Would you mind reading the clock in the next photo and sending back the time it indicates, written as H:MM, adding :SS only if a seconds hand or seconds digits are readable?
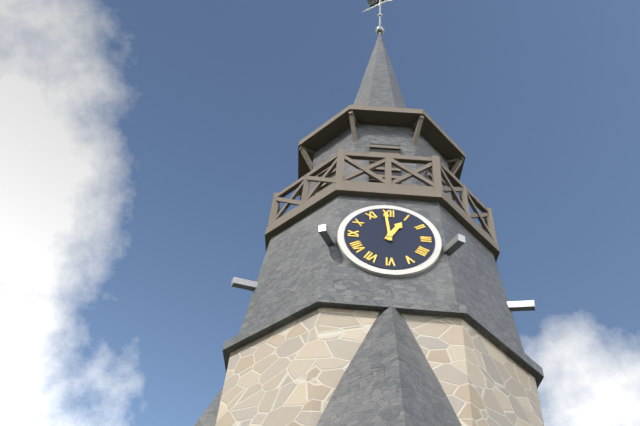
12:59
